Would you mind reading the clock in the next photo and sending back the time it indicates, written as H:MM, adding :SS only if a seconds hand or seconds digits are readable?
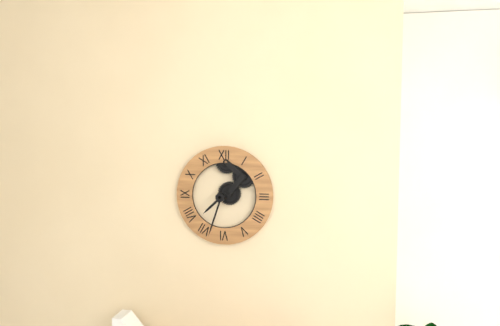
7:33
